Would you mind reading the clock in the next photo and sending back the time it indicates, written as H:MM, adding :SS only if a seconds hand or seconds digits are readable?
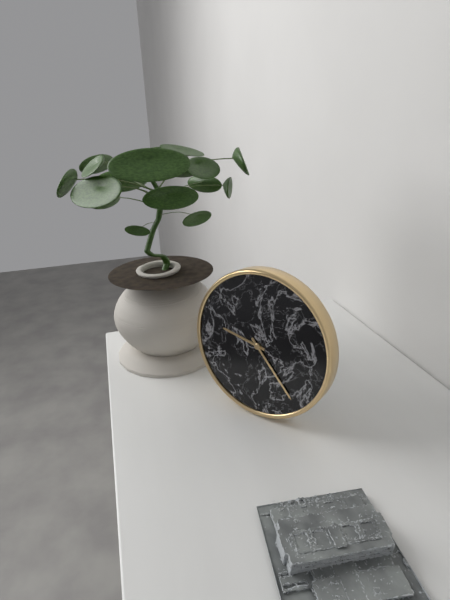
9:23
